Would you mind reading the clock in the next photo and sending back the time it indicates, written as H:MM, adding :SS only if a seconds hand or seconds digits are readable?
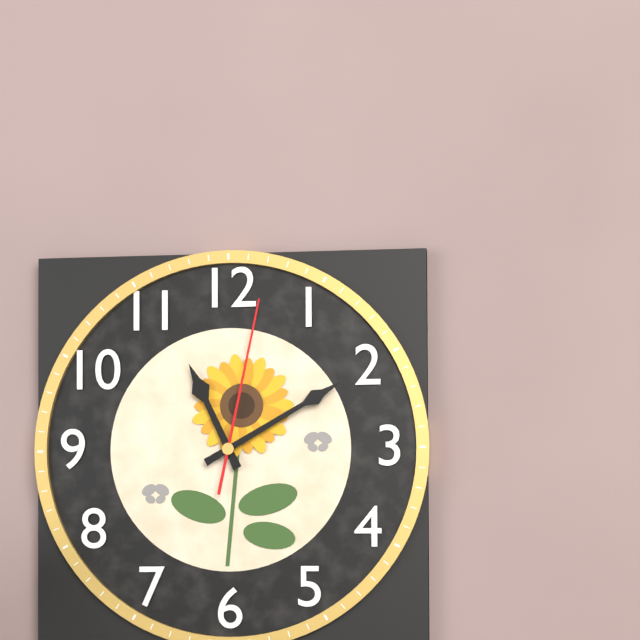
11:10:02
